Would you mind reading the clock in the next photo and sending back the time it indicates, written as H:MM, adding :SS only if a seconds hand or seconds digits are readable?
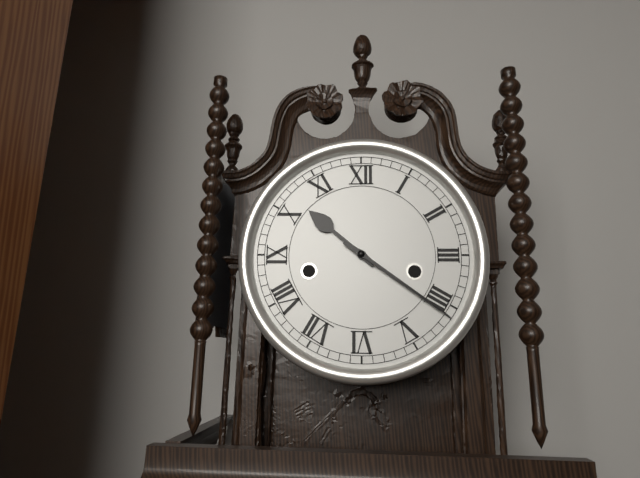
10:21
